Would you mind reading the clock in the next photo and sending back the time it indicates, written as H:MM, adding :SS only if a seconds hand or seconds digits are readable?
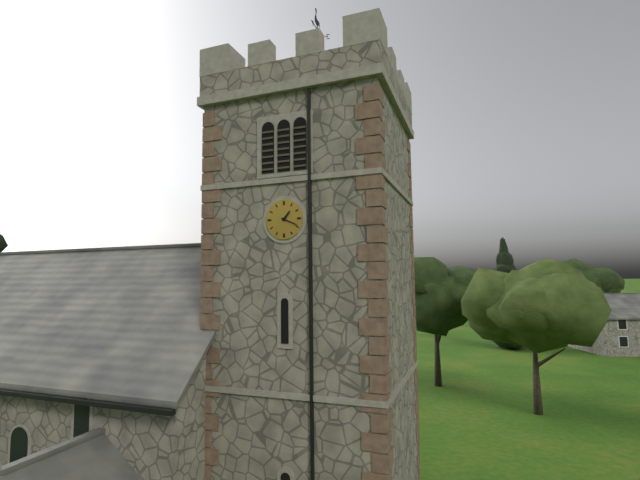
1:19
